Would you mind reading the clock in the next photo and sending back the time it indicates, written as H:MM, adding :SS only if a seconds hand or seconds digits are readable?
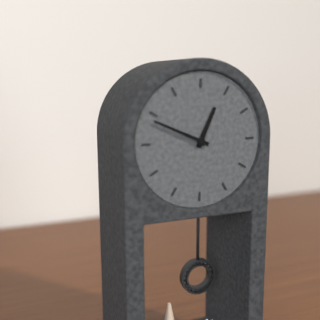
12:49
